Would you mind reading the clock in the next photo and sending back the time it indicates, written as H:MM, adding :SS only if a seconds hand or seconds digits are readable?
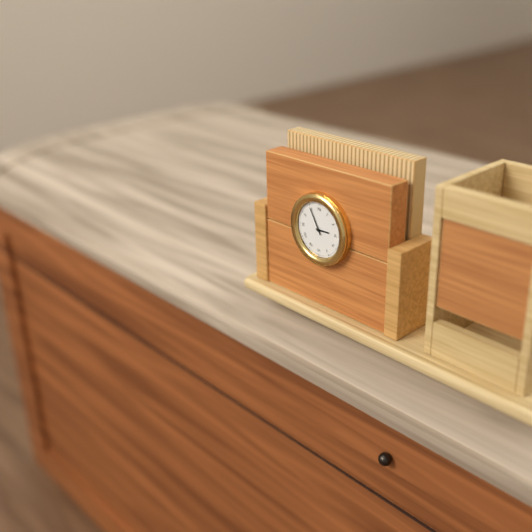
2:55
